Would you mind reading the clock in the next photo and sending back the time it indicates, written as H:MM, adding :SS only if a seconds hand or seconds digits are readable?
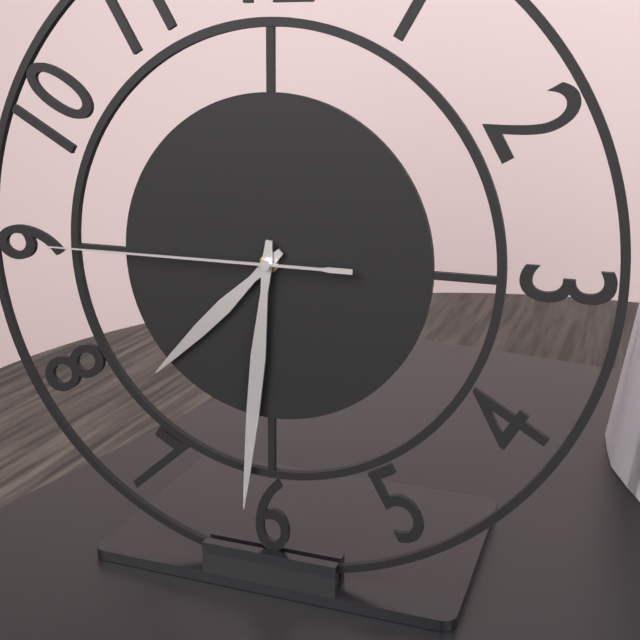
7:31:45
